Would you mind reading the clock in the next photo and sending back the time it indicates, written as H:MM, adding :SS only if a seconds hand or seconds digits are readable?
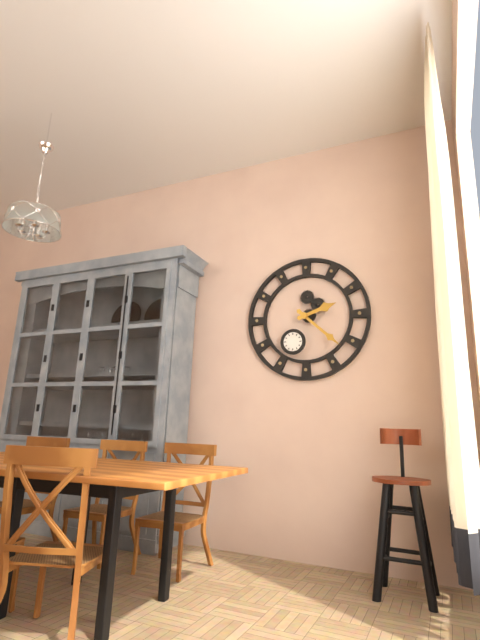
2:22
